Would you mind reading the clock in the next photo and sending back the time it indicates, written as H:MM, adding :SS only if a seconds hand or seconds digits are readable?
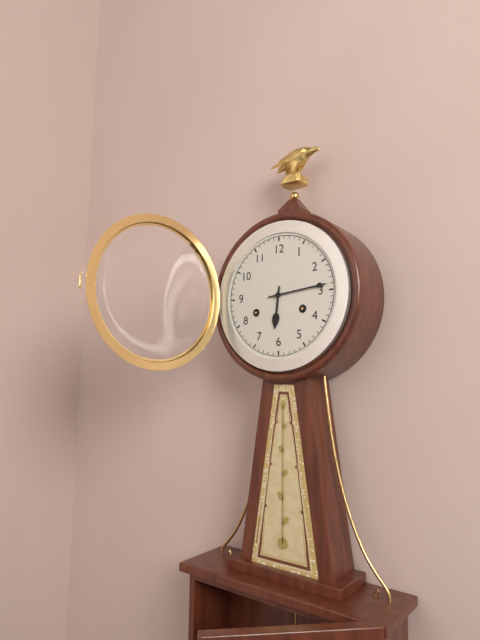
6:14
